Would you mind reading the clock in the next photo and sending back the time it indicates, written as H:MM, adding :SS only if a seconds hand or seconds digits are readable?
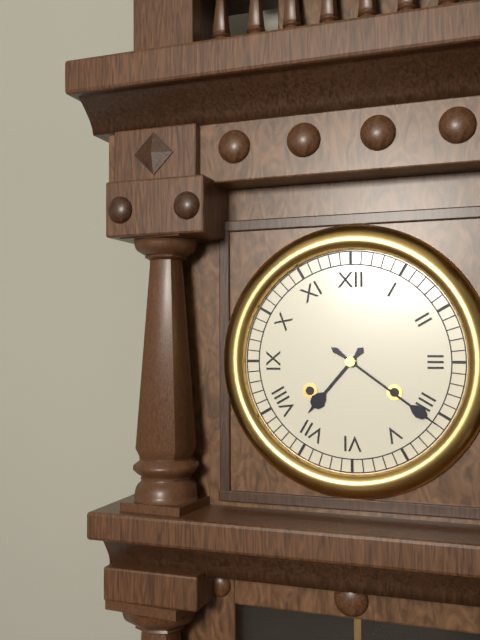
7:21
